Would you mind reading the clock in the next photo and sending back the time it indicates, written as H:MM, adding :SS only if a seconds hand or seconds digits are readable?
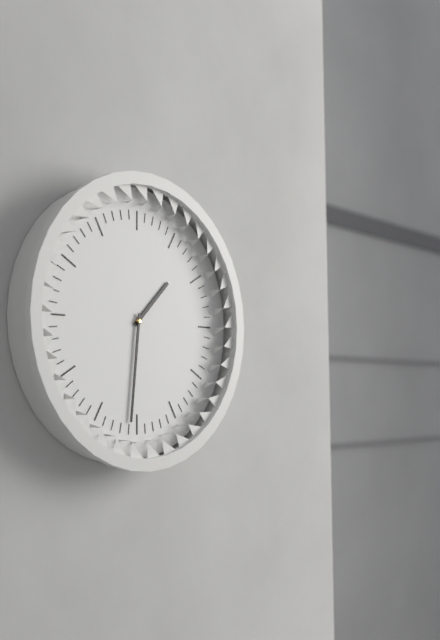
1:31
